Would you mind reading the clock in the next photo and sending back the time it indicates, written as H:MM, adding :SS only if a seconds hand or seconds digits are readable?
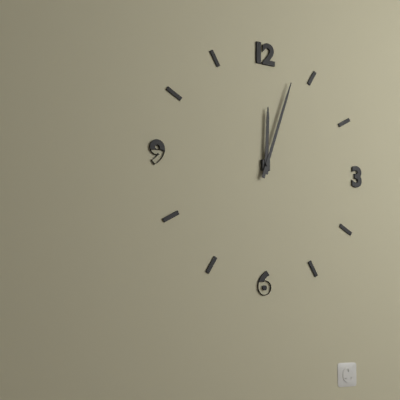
12:03
